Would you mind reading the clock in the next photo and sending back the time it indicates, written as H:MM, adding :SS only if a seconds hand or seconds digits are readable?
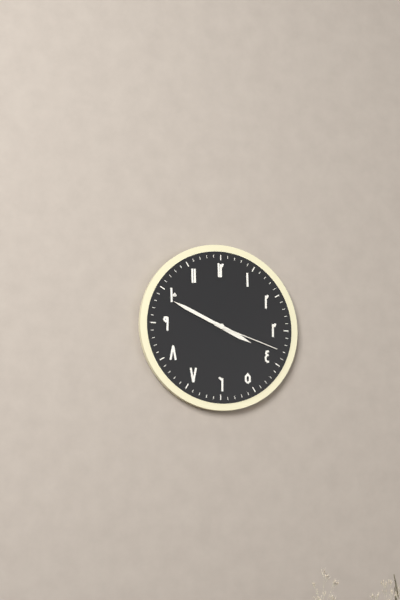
3:49:18
